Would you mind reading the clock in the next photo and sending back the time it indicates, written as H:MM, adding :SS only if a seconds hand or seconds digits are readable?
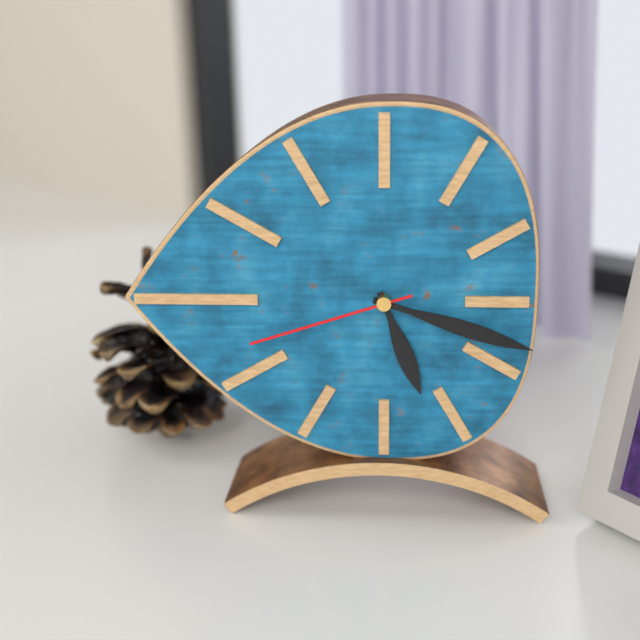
5:18:42
